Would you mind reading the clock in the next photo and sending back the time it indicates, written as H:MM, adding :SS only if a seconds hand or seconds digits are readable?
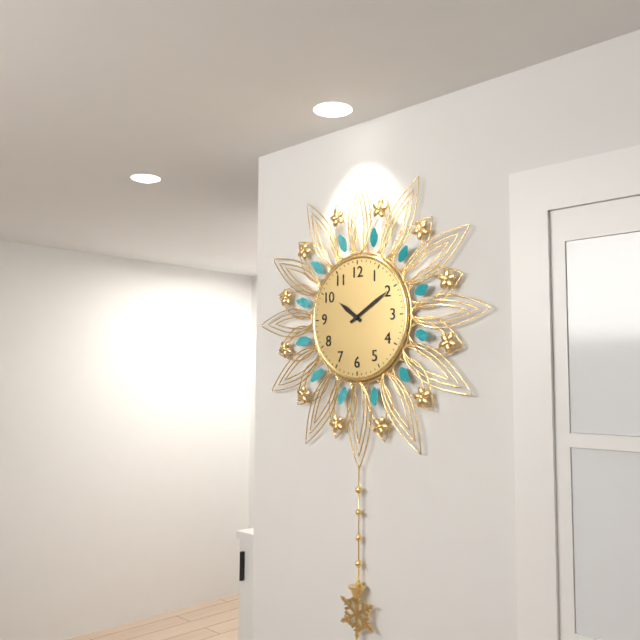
10:10
